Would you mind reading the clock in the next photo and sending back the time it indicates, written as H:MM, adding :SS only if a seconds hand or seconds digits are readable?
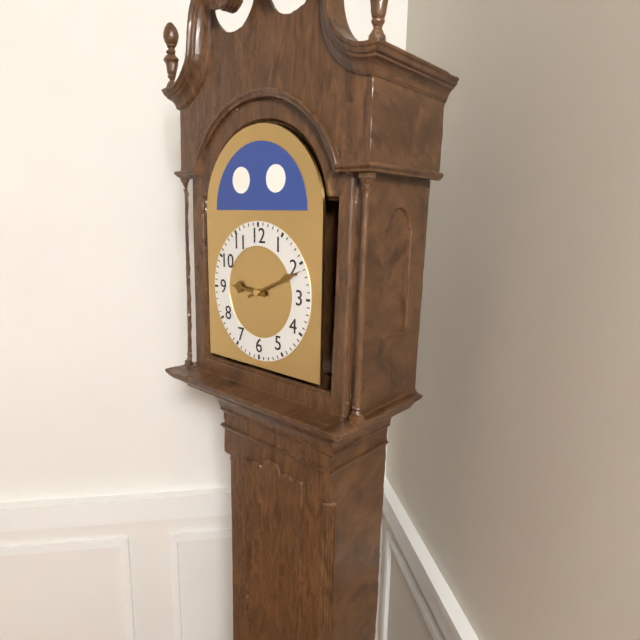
9:11
